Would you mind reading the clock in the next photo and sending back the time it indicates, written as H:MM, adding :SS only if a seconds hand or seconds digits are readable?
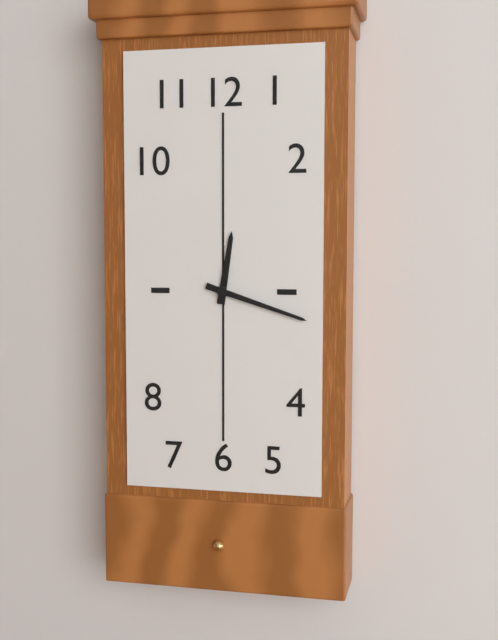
12:18
